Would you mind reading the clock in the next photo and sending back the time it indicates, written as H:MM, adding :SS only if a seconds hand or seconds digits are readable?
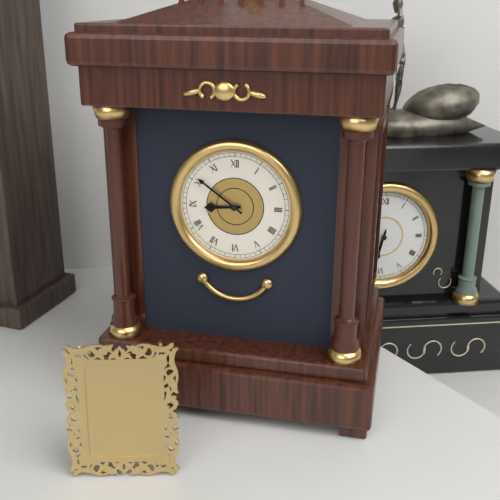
8:51
